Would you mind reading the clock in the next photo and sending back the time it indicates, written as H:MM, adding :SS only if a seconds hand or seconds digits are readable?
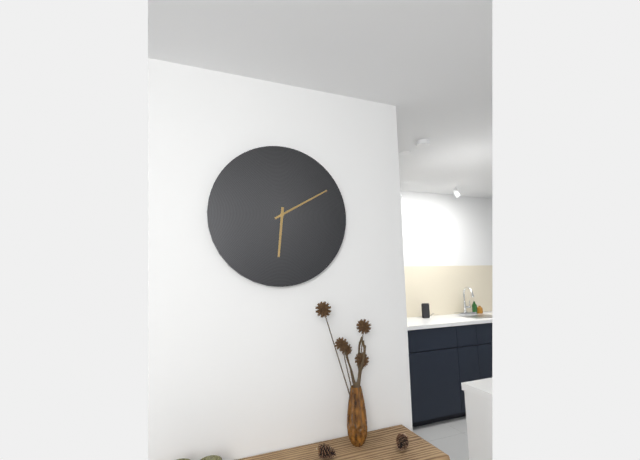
6:10
